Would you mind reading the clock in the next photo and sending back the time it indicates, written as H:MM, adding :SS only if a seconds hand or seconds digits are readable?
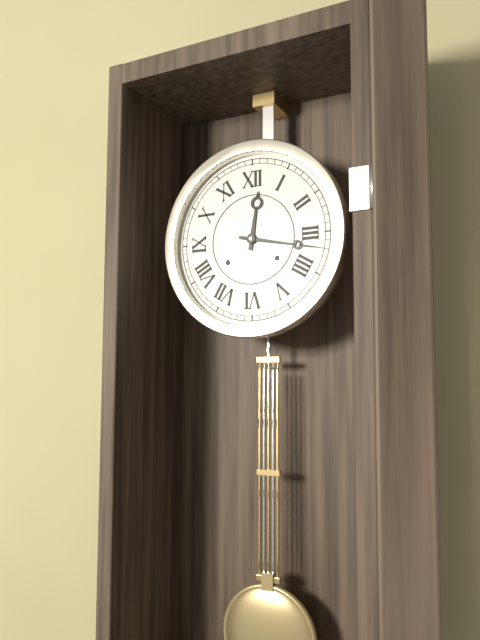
12:17
